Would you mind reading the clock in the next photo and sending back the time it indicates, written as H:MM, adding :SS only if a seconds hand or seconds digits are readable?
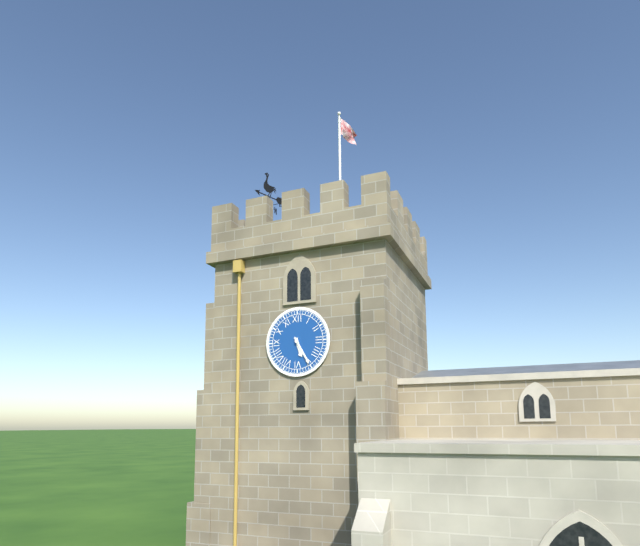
5:25
